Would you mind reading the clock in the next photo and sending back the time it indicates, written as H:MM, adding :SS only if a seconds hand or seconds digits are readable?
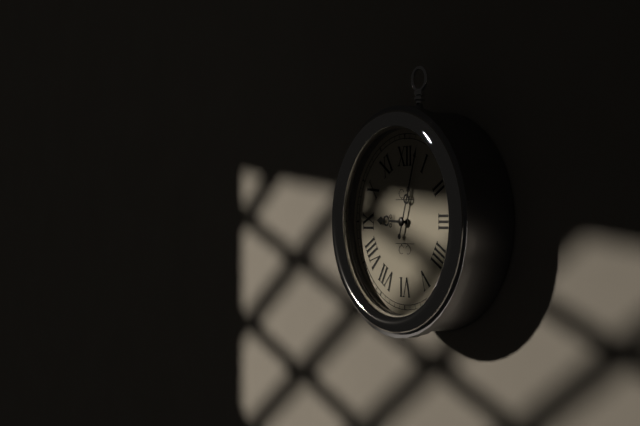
9:03
